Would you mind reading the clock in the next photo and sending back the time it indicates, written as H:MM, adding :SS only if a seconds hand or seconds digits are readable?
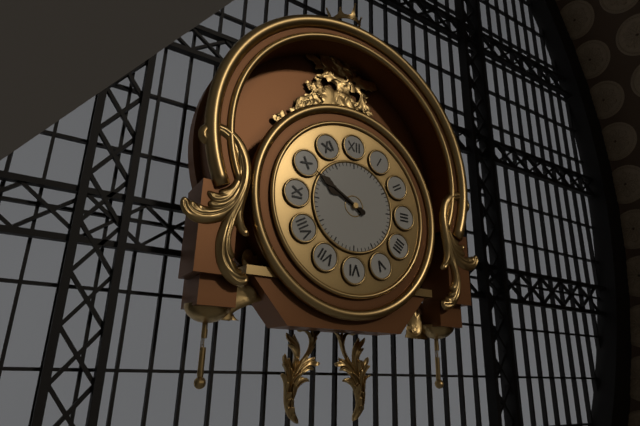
9:50
